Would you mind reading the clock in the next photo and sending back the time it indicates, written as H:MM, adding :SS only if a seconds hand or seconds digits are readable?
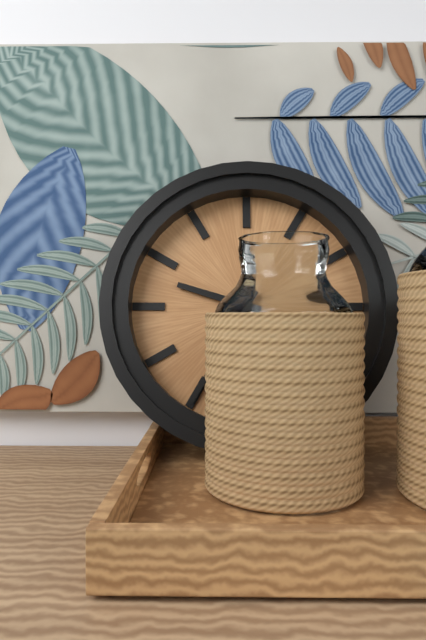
9:35
